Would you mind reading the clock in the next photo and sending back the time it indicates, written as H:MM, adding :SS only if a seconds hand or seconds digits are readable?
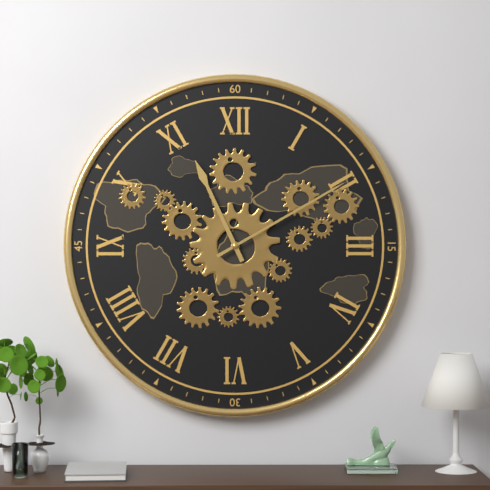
11:10
